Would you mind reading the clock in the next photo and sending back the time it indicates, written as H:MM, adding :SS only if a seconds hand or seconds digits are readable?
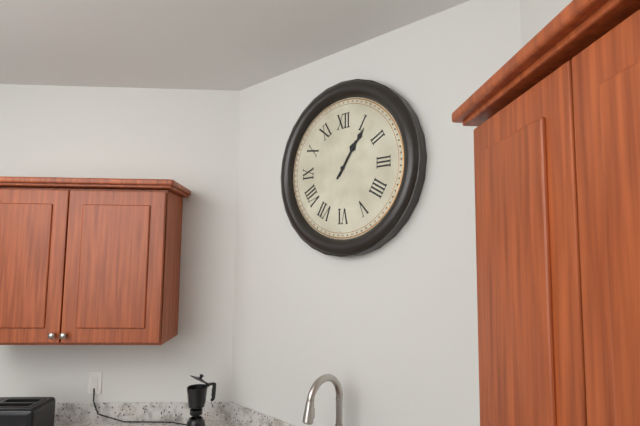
1:06
